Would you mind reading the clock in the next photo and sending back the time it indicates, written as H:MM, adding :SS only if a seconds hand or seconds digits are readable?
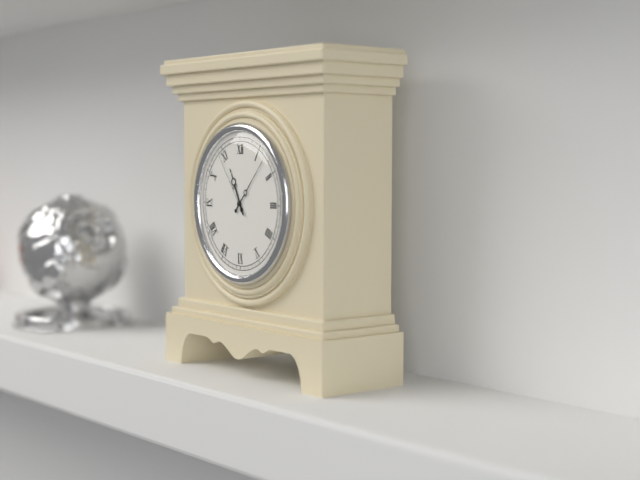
11:07:54
